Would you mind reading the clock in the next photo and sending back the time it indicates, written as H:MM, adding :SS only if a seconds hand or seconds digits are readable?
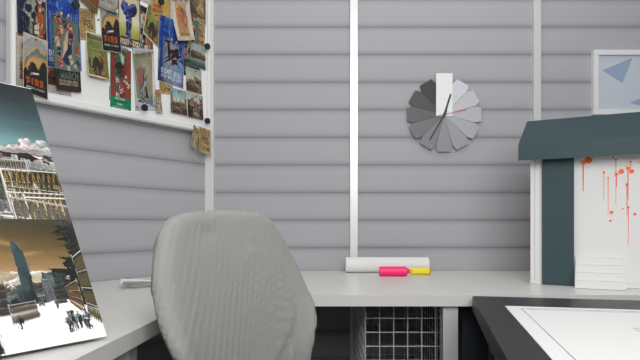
12:35
